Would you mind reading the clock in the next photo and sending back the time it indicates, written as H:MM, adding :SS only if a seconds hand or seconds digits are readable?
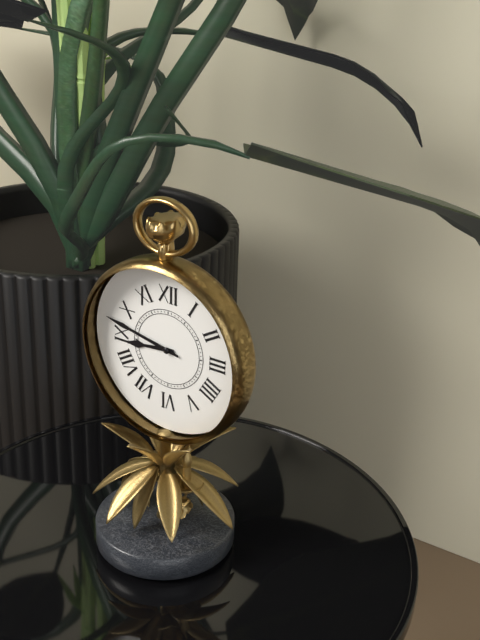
8:47
